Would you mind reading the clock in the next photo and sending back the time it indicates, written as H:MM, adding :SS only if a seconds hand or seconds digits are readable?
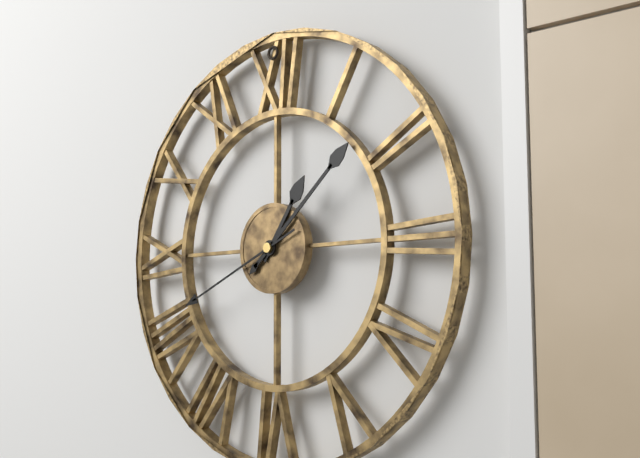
1:08:41
